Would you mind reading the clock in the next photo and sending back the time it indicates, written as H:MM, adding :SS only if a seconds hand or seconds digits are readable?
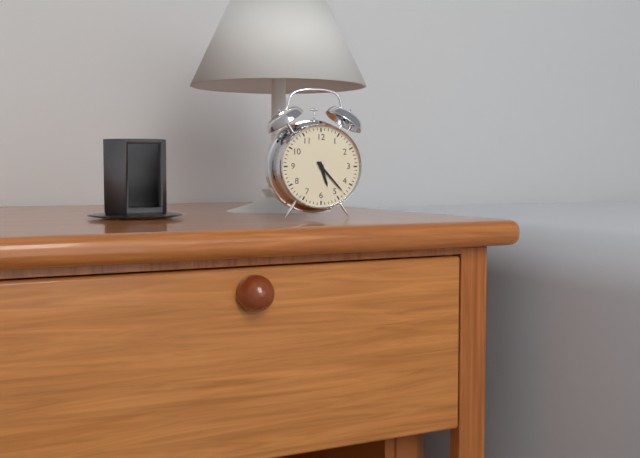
5:23
